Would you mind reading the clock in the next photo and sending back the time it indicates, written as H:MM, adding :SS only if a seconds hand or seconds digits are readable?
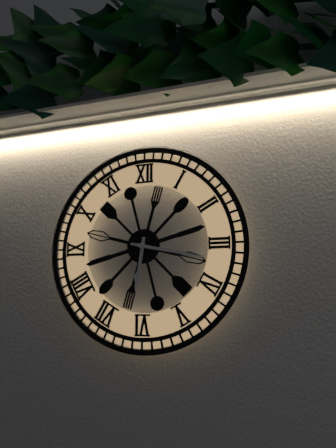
6:17
